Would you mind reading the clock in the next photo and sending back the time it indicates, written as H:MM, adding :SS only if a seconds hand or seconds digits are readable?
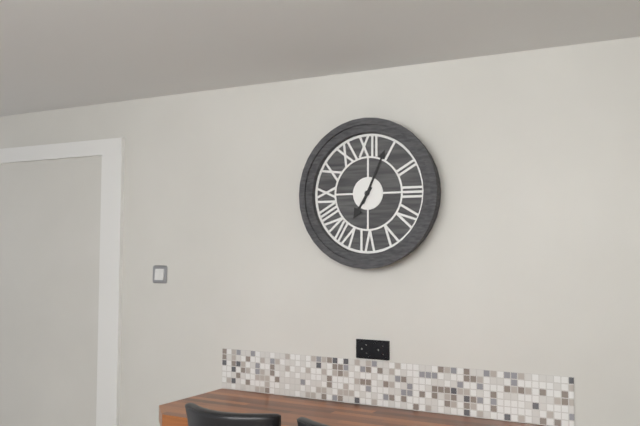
7:04
